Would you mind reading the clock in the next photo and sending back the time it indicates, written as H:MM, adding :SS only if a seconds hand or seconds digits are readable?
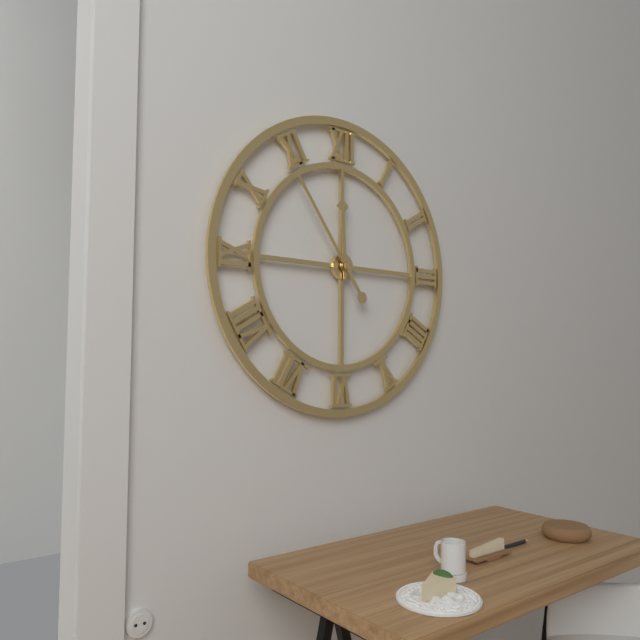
11:54
